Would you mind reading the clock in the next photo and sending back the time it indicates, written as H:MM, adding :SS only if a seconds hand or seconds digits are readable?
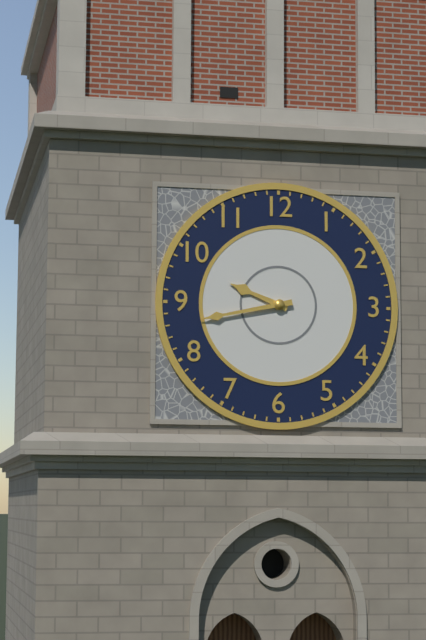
9:43
